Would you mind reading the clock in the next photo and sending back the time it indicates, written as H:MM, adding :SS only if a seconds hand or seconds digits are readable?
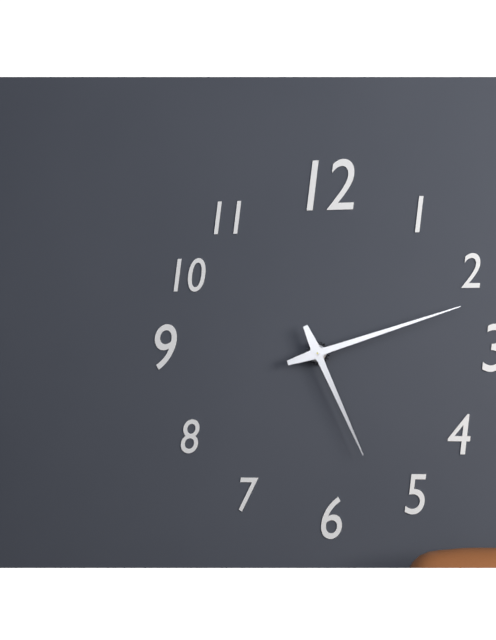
5:12
